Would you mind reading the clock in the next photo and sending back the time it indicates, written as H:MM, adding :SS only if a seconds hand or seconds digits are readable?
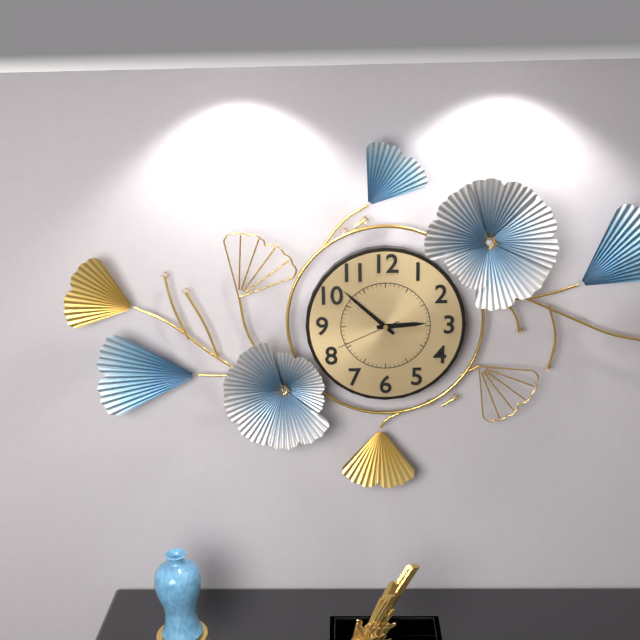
2:52:41
